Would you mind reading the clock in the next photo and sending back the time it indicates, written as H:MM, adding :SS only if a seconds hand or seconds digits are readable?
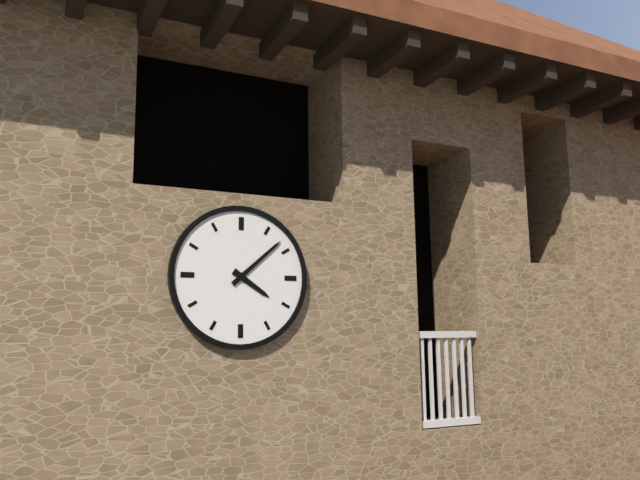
4:08
